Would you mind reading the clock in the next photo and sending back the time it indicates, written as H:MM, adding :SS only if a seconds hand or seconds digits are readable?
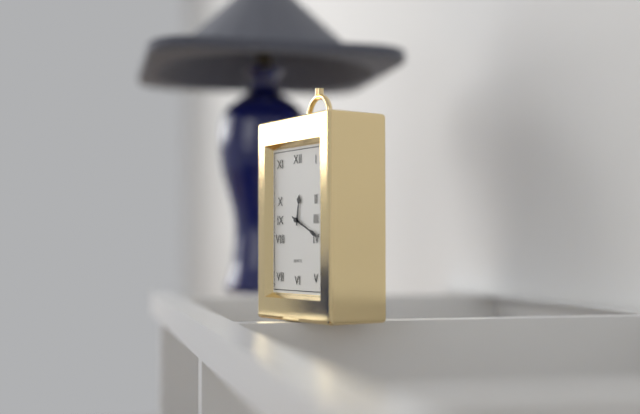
12:19
